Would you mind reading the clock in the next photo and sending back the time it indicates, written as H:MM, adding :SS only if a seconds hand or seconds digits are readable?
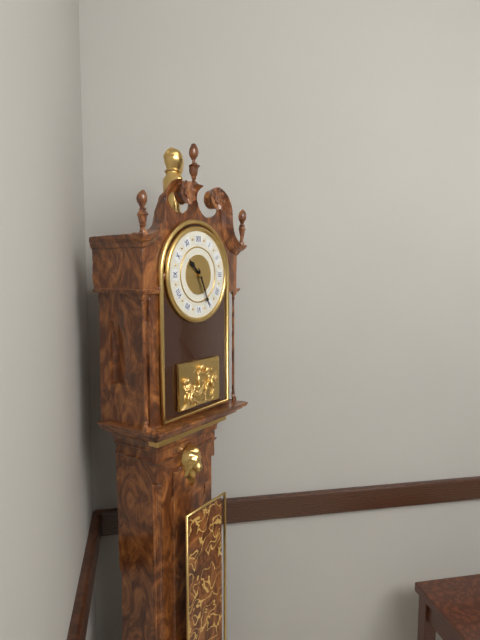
10:26
